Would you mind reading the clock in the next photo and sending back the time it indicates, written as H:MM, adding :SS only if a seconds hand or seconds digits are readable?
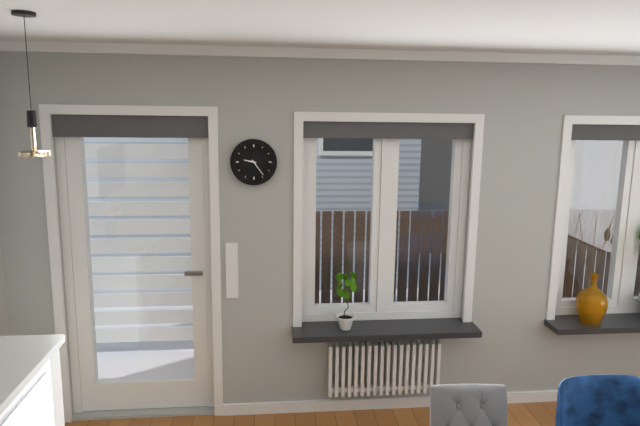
9:24
